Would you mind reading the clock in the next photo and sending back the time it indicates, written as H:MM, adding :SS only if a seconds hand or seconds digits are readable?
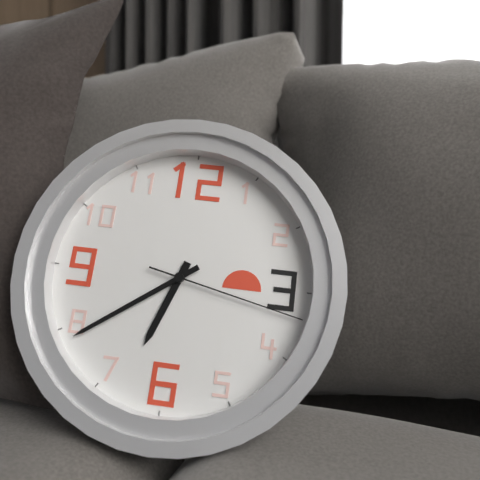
6:39:17
